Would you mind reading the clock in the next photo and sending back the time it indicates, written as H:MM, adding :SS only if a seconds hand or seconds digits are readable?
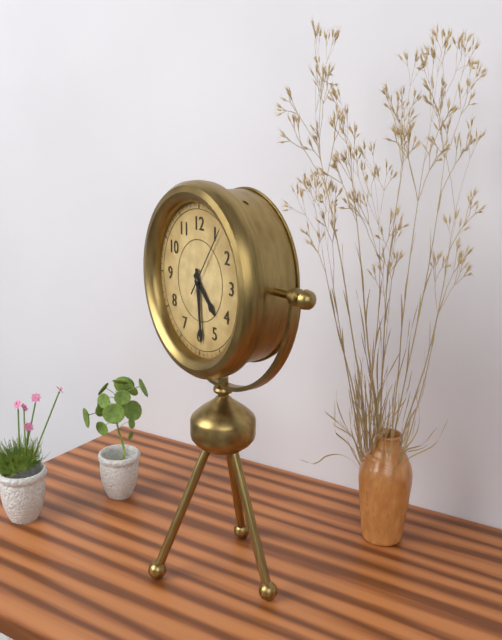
4:29:06
